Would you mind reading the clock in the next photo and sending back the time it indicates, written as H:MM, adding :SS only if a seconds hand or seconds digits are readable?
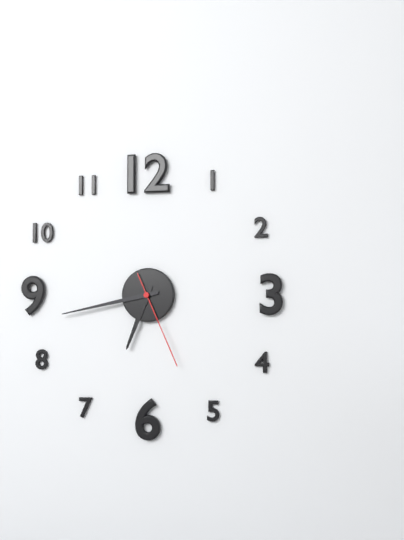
6:43:26
